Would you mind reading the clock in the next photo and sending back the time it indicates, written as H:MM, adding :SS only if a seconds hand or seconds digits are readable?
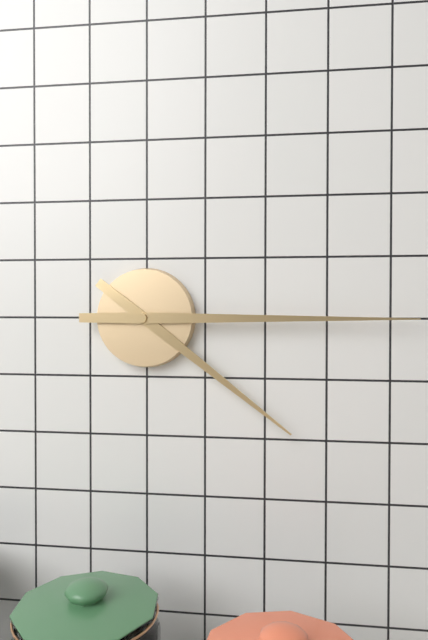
4:15
